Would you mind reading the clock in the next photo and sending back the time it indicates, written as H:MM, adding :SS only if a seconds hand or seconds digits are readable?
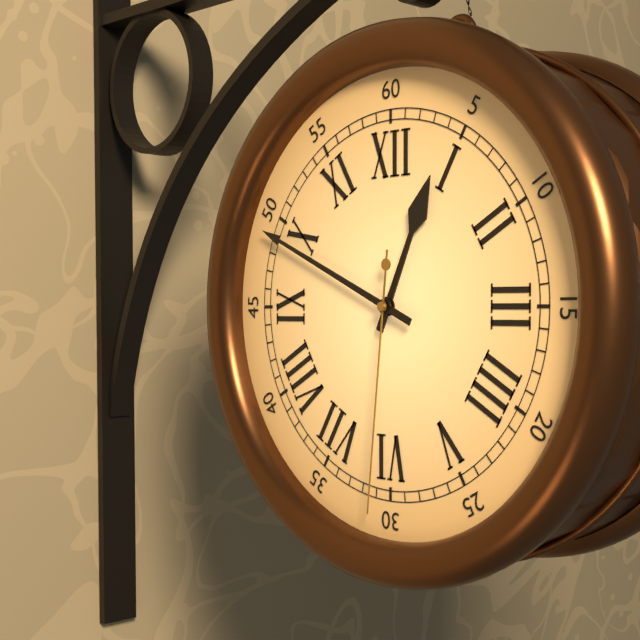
12:49:31
